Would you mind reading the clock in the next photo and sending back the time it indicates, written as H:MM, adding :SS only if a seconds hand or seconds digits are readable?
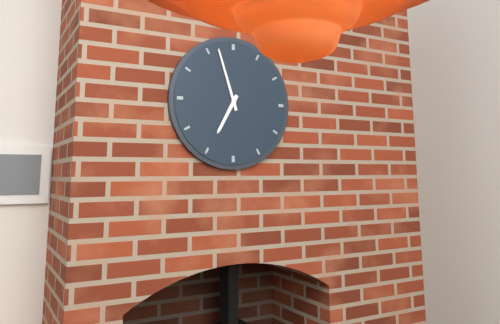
6:57
